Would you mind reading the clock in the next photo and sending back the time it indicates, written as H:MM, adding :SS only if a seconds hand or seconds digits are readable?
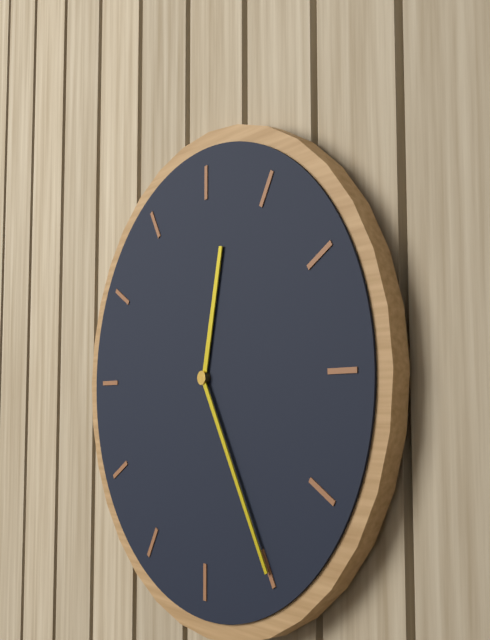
12:25
